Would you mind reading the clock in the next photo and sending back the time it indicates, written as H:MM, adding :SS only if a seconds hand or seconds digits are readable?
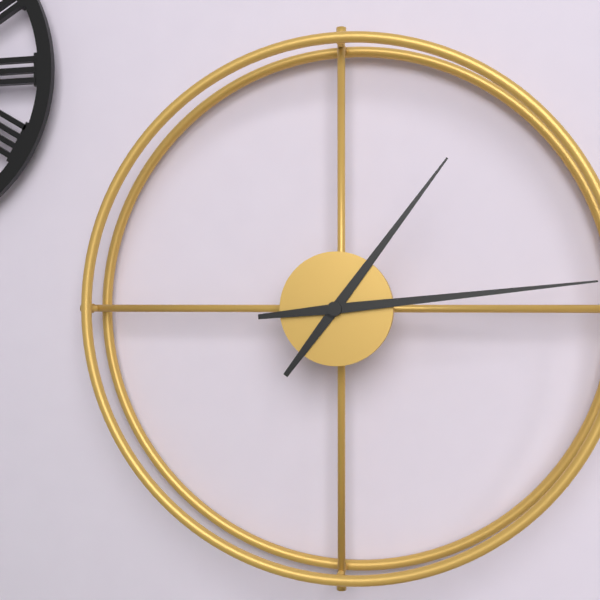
1:14
